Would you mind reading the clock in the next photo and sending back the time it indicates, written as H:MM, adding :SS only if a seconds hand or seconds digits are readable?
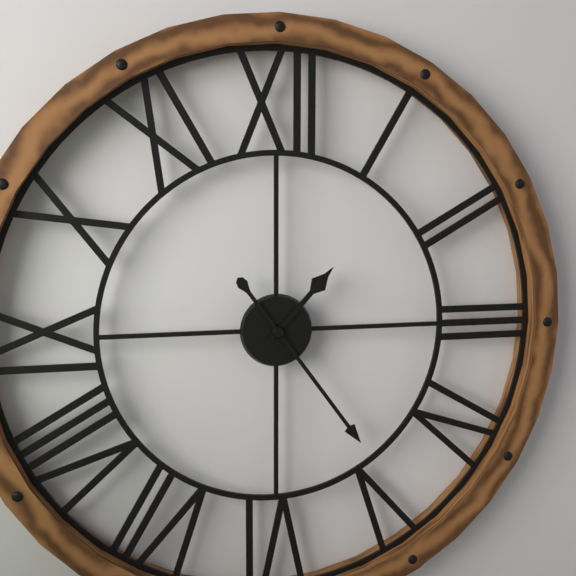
1:24
